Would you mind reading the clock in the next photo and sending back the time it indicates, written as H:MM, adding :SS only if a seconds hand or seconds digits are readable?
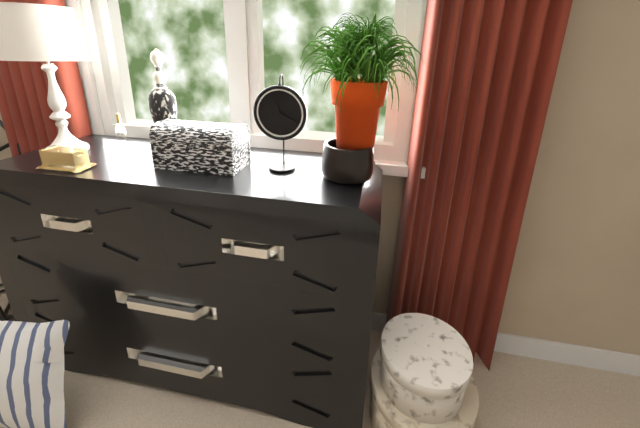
11:19
